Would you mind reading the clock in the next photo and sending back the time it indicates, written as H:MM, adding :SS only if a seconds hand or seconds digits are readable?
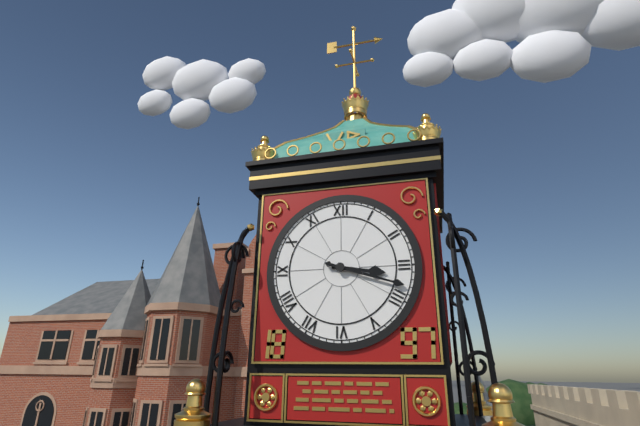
3:18
